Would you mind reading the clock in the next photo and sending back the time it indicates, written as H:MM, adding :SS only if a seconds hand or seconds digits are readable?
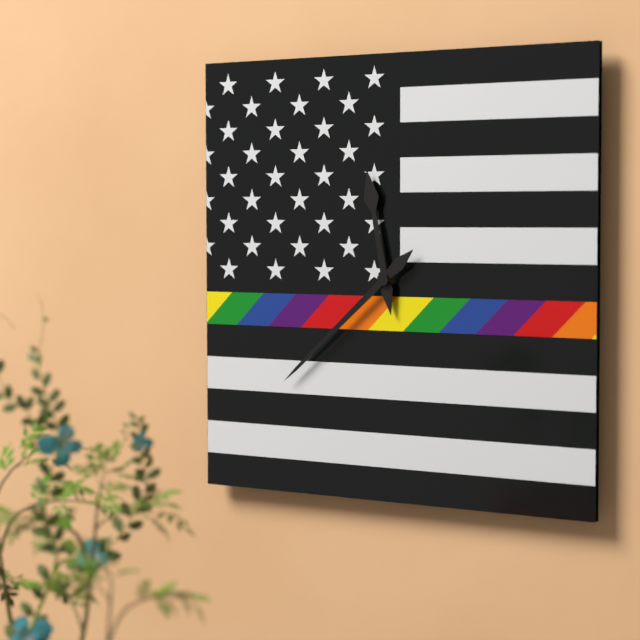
11:38
